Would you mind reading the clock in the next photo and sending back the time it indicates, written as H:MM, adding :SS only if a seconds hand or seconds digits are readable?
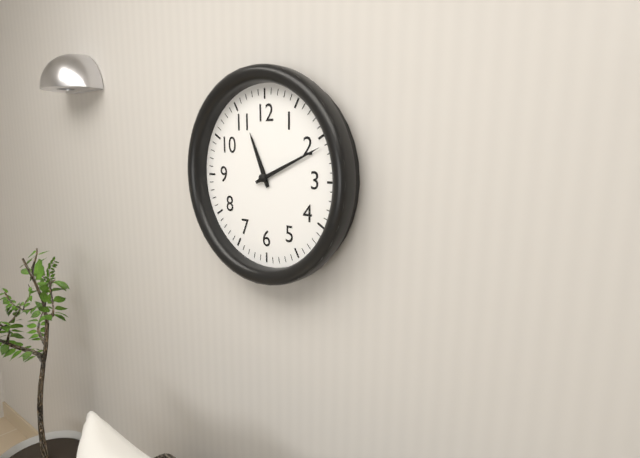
11:11
